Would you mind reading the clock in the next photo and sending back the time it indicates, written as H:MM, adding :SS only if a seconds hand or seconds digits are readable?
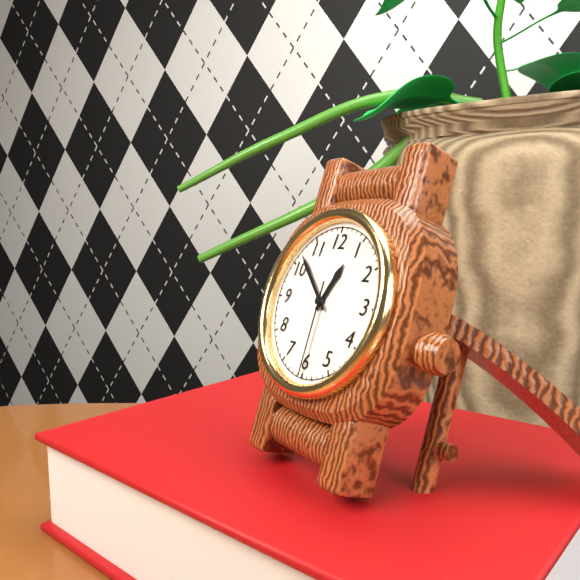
12:52:30
